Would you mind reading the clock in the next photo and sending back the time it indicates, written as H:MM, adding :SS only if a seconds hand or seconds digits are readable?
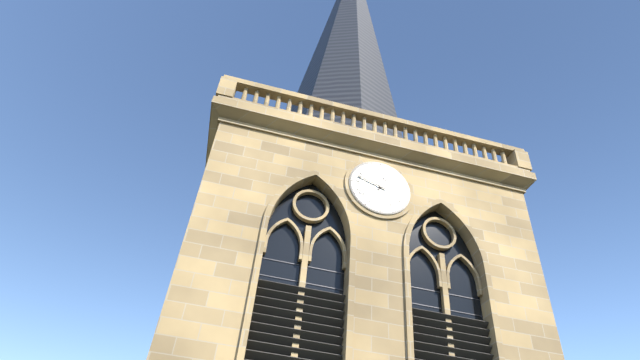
12:48
